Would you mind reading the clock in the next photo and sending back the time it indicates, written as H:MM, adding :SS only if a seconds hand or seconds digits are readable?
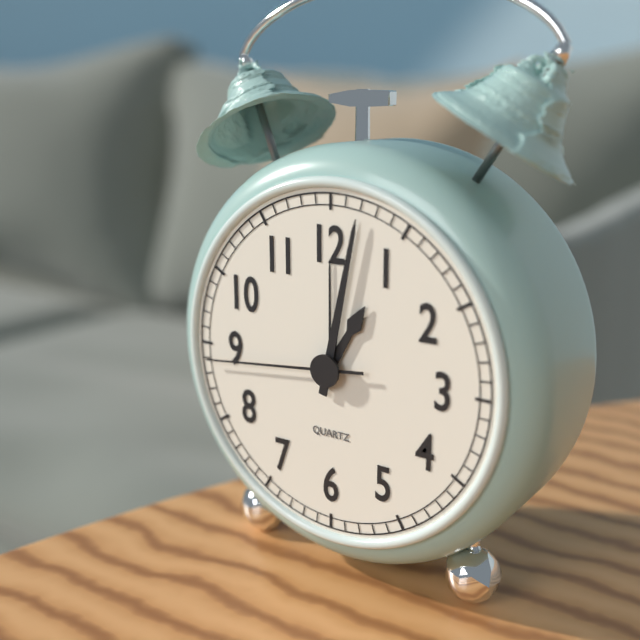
1:02:44
